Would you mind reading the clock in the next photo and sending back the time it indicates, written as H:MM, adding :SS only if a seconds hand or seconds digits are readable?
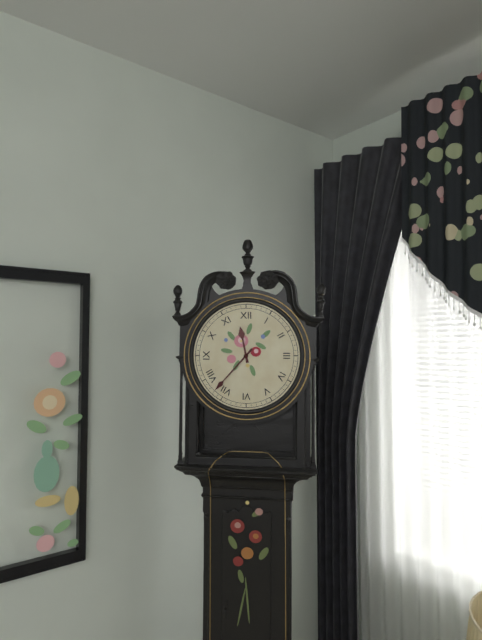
11:37
